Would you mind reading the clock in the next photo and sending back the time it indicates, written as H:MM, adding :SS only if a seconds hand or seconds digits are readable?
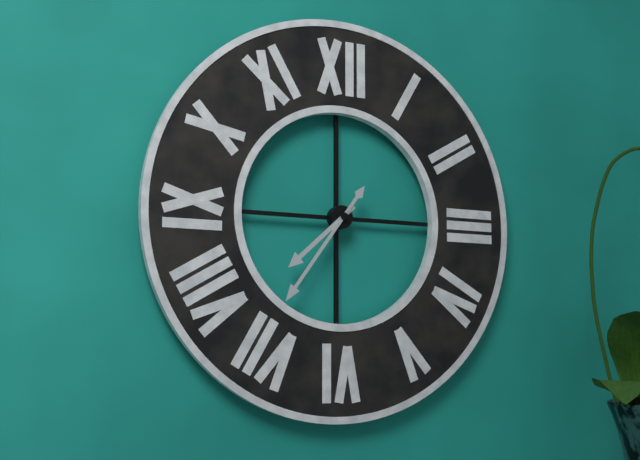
7:36
